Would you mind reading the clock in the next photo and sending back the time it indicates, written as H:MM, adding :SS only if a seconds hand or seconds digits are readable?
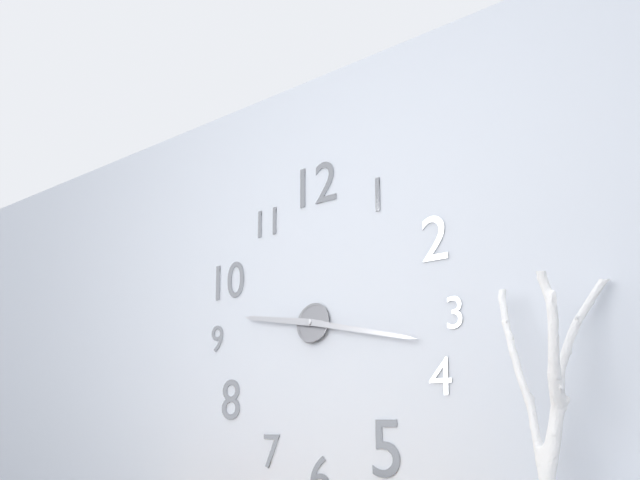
9:17
